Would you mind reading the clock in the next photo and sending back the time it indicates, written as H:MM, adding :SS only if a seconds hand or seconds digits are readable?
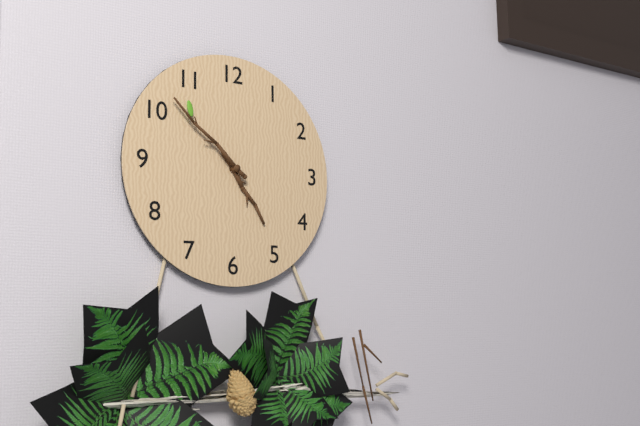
4:52
